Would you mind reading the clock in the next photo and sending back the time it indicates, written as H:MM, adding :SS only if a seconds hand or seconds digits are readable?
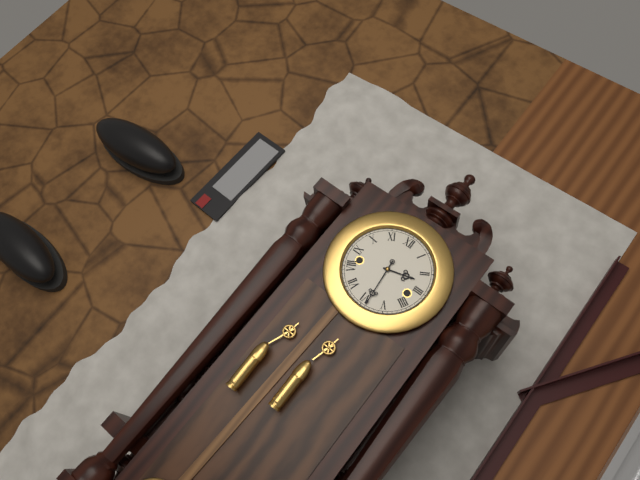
2:29
